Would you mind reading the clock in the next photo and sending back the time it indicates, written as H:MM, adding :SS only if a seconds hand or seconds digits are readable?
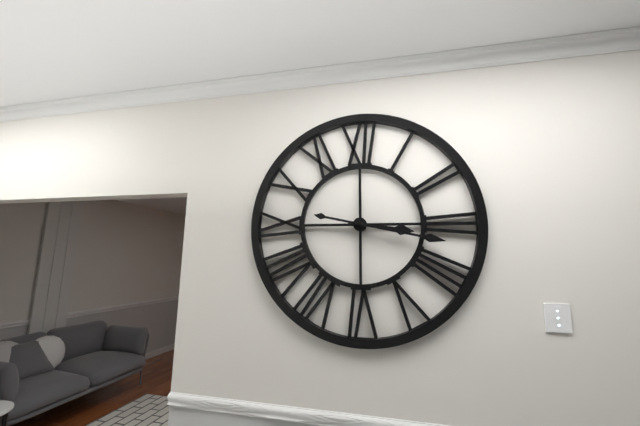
3:17
